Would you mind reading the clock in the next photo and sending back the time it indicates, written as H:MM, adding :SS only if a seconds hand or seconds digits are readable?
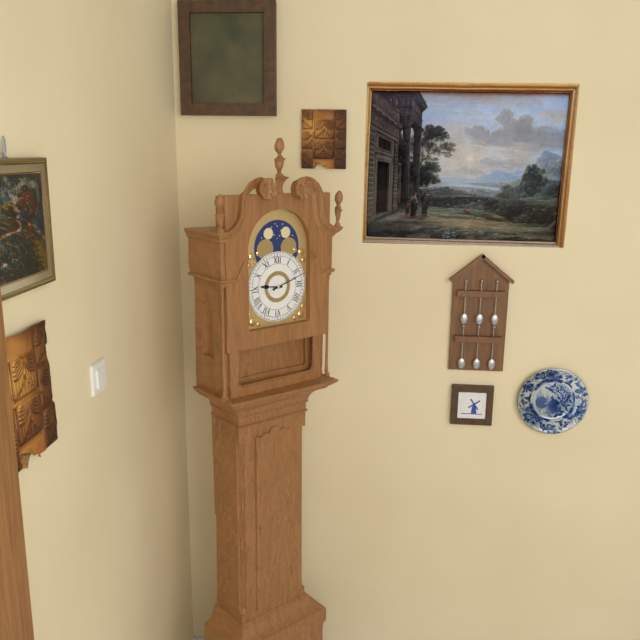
9:12
